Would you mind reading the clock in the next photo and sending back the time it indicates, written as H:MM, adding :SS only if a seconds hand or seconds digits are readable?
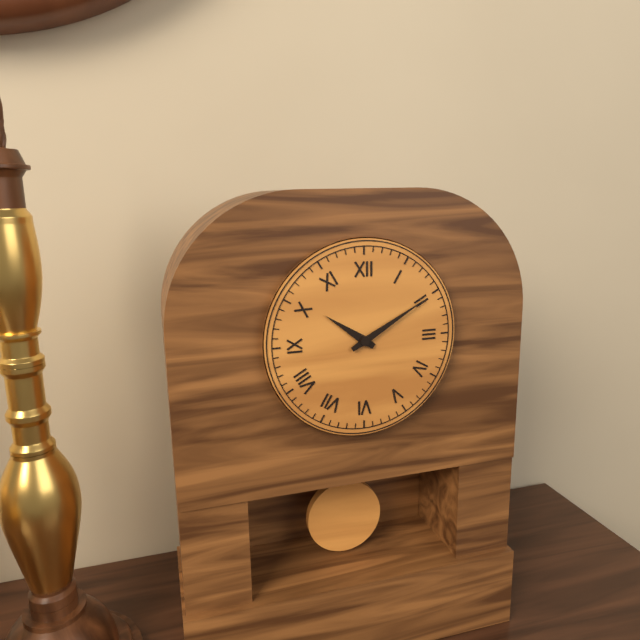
10:10
